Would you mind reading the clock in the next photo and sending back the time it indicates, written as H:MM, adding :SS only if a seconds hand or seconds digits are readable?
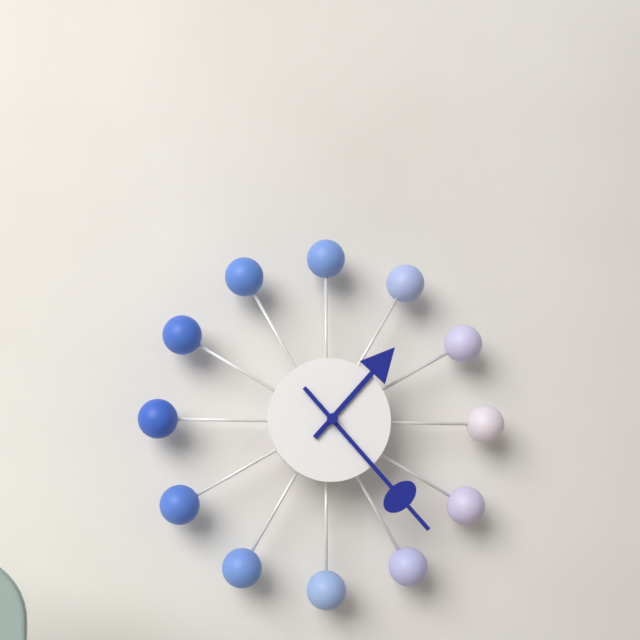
1:23
